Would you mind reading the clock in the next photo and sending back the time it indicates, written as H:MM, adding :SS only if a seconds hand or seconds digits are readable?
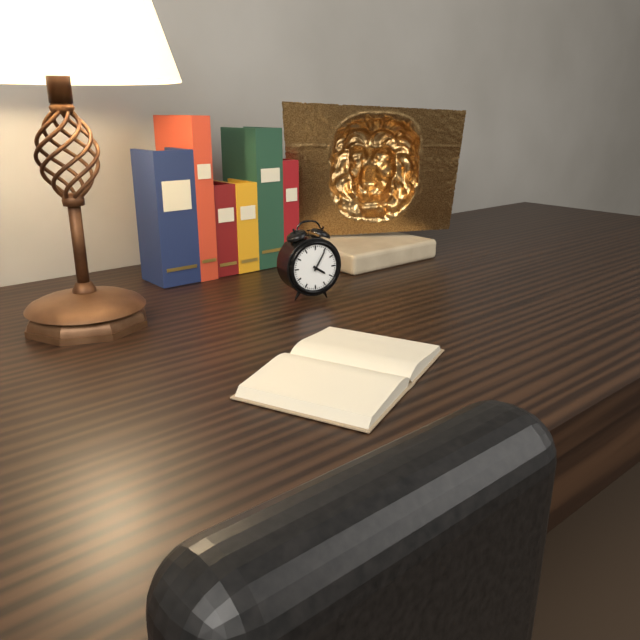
4:05
